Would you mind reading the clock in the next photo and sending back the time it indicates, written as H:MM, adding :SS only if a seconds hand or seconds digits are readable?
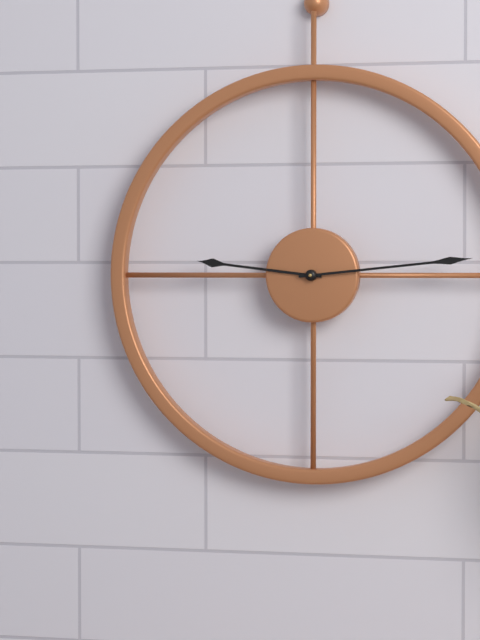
9:14
